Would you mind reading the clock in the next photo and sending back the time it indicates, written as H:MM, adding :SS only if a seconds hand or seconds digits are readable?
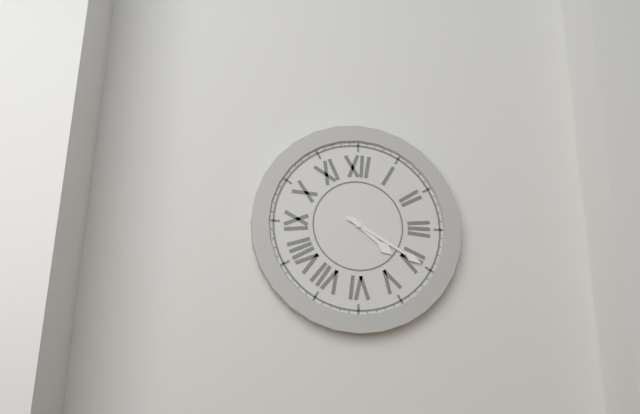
4:20
